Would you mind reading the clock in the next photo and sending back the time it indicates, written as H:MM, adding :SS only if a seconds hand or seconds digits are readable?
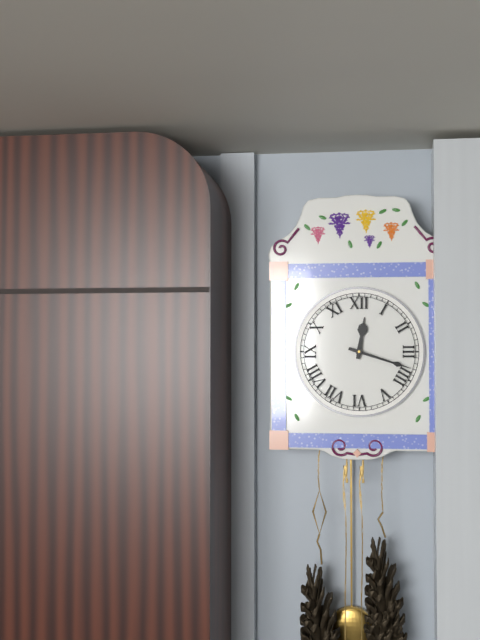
12:18
